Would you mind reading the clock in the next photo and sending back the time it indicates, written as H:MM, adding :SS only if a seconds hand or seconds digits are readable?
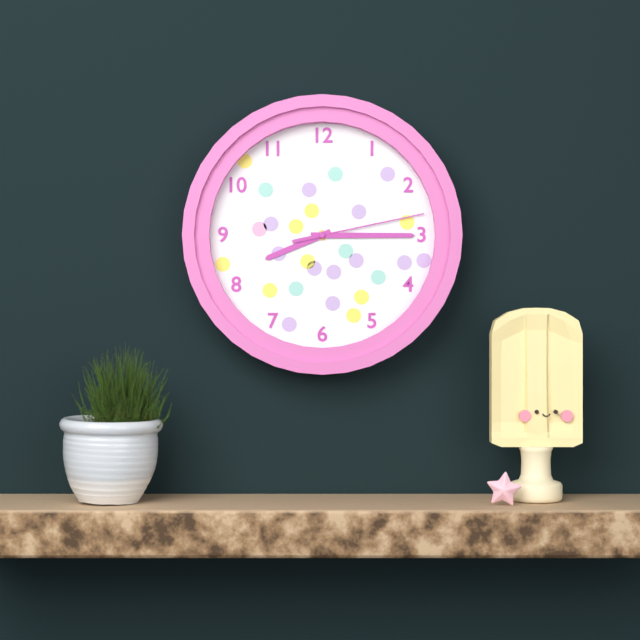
8:15:13
